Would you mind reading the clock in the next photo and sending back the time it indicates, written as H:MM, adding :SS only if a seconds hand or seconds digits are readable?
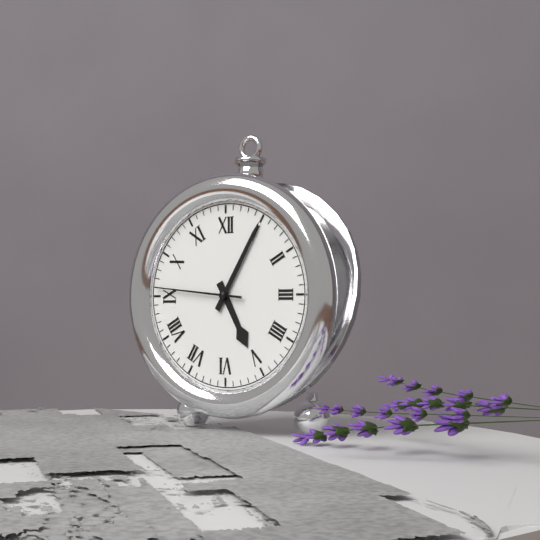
5:05:46
